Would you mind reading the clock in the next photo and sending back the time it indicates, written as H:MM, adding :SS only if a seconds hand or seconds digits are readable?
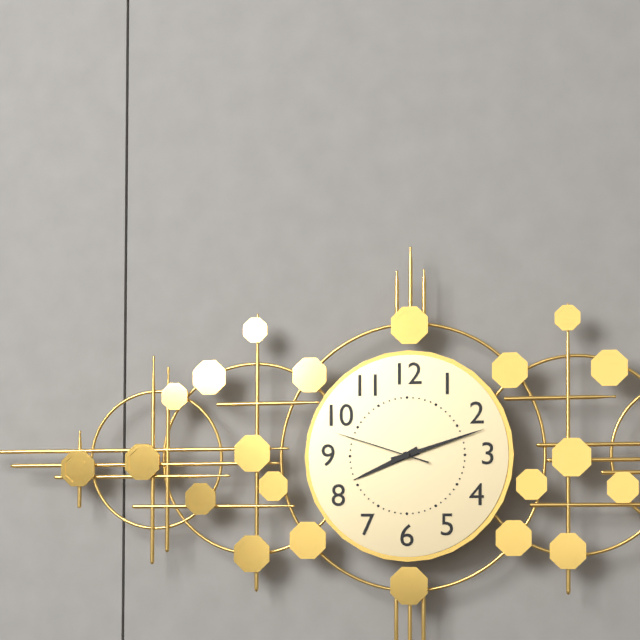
8:12:48
